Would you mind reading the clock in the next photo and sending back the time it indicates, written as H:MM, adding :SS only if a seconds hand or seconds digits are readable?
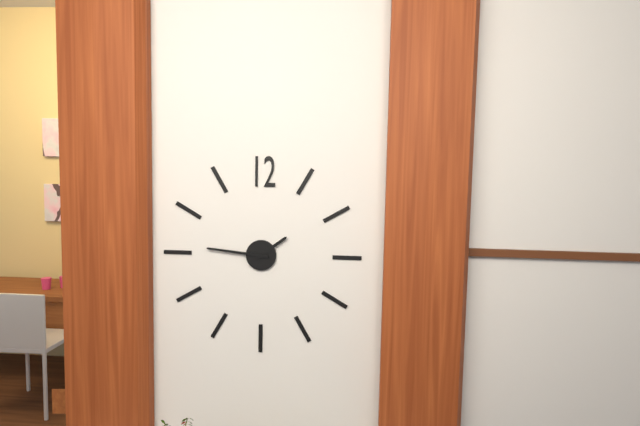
1:46
